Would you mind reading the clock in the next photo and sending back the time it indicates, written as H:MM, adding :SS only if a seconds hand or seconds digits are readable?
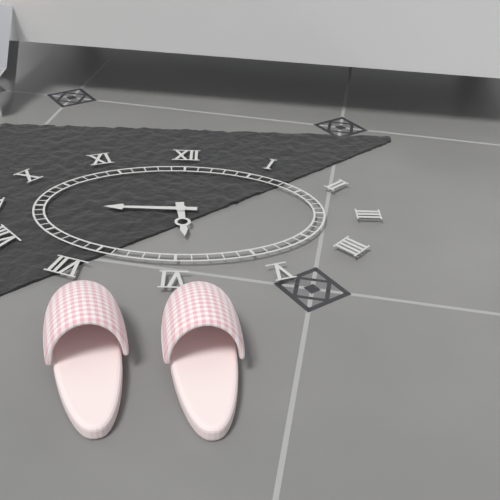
5:45
